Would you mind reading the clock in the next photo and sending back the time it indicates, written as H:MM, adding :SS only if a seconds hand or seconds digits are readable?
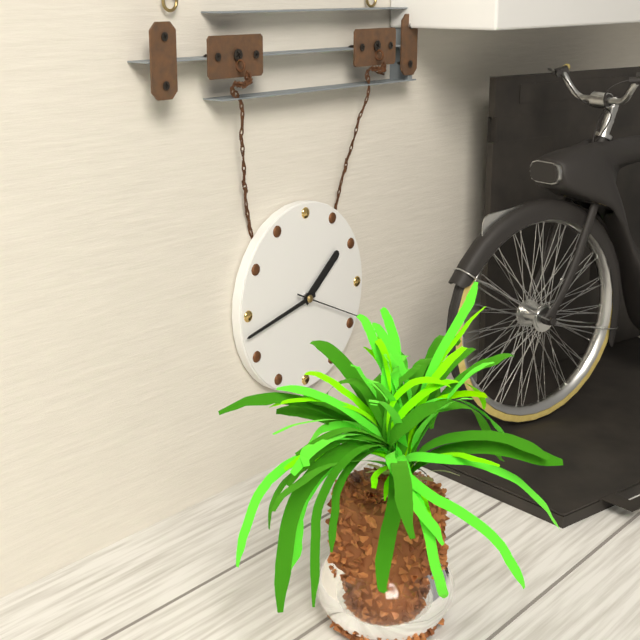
1:43:19
